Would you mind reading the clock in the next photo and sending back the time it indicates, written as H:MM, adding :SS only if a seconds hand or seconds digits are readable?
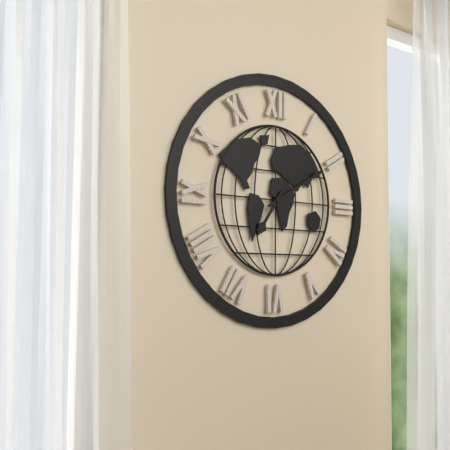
7:10
